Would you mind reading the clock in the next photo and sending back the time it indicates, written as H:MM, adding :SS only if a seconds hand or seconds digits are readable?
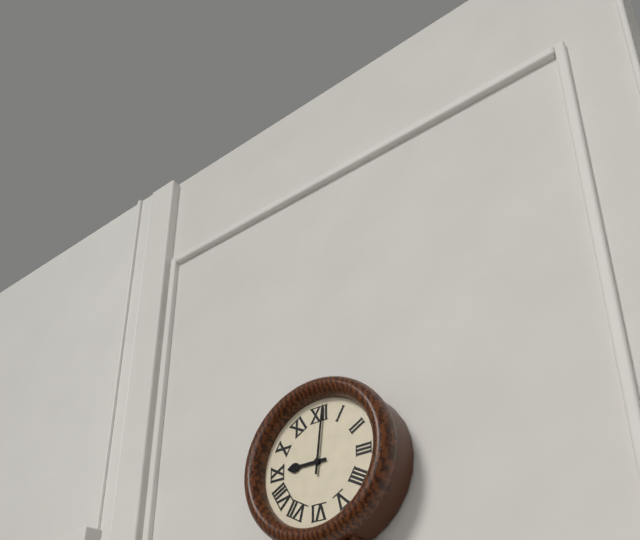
9:01
